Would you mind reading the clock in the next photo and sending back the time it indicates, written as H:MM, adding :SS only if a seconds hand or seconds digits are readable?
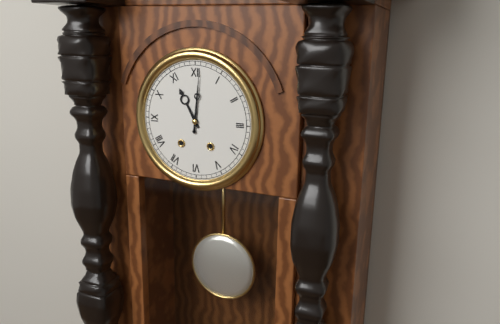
11:01
